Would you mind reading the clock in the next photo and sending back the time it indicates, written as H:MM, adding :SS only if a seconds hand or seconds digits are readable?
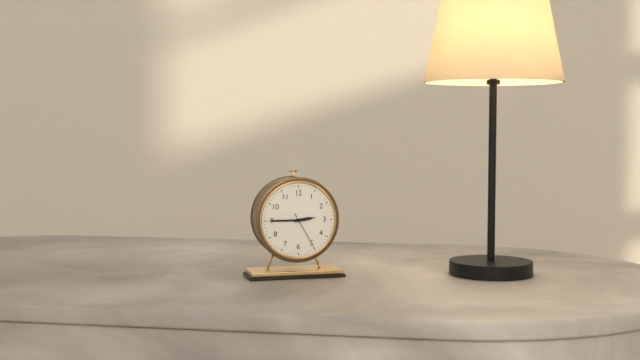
2:45
